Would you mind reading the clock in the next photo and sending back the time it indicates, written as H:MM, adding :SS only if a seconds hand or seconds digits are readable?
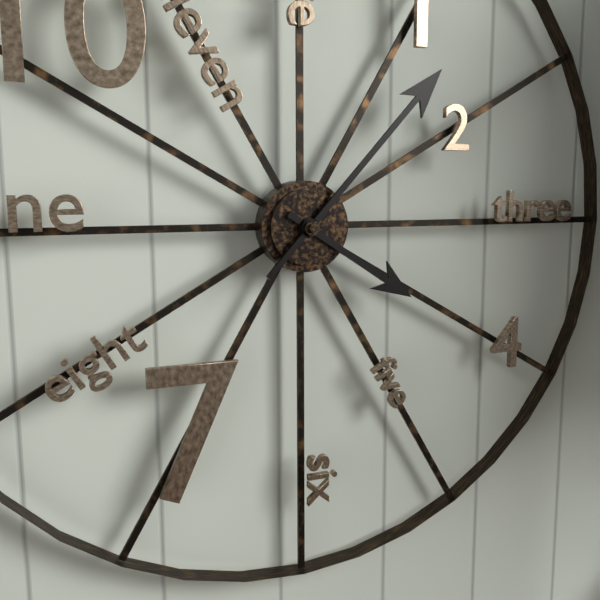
4:07
